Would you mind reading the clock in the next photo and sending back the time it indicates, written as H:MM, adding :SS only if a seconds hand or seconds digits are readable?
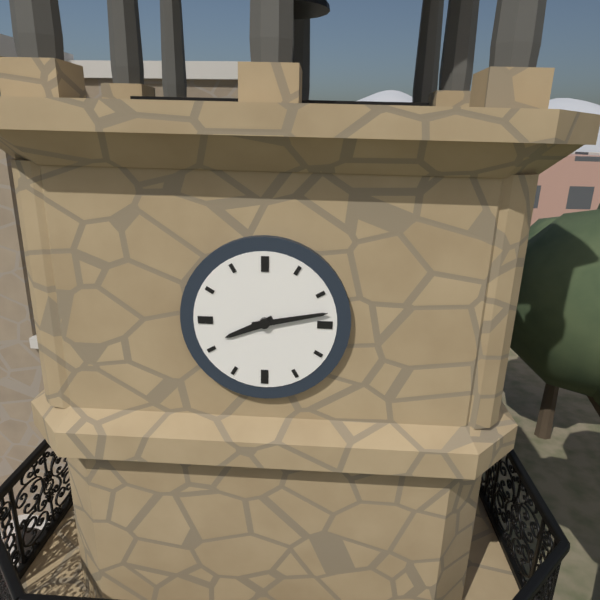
8:13
